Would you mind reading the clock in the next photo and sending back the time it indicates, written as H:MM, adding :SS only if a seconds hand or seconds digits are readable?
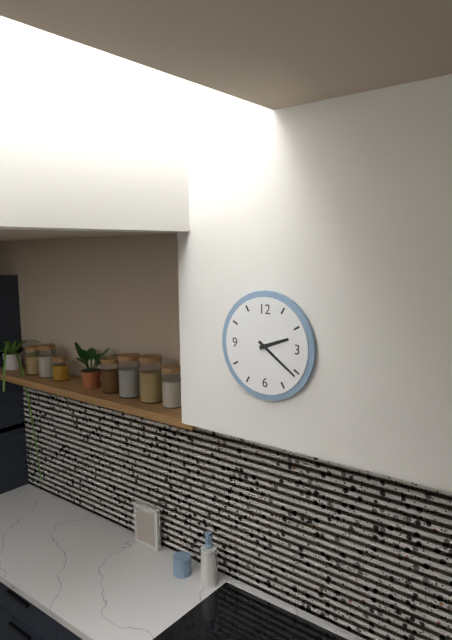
2:21
